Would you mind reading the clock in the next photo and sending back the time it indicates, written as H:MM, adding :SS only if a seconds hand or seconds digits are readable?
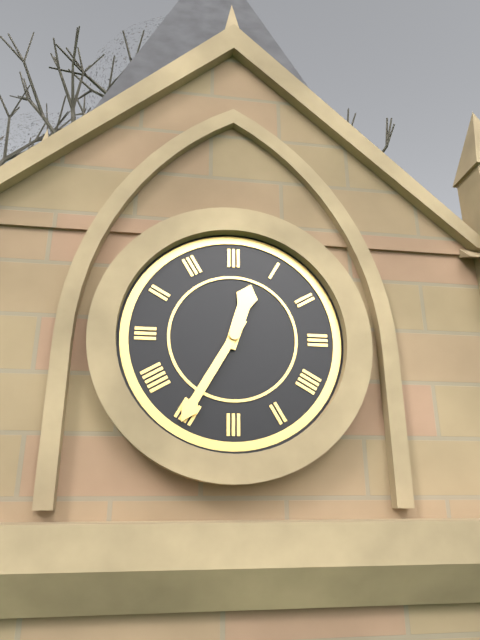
12:35
